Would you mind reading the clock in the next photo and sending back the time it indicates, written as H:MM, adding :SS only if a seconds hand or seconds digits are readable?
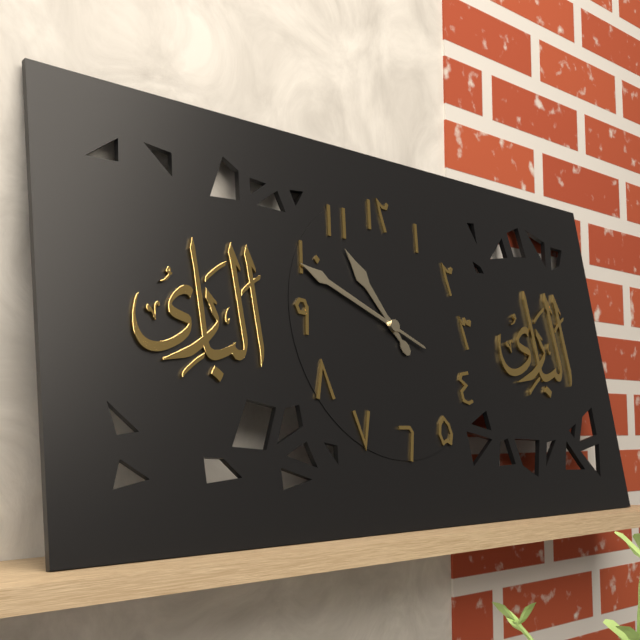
10:49
